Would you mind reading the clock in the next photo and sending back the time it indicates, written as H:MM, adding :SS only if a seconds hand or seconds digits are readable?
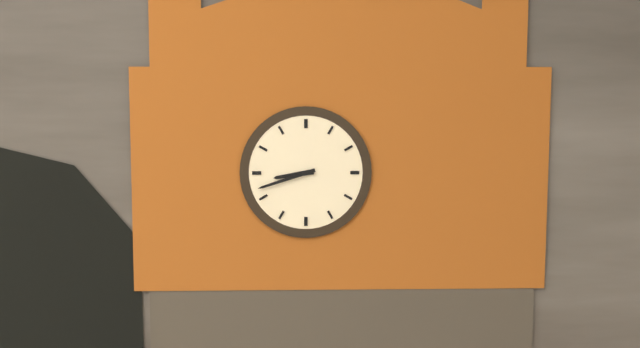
8:42
